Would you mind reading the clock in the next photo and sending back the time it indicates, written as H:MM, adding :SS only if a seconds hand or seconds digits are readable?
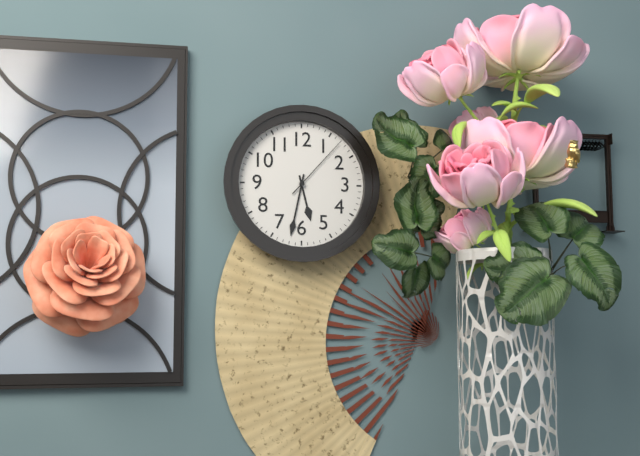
5:32:07
